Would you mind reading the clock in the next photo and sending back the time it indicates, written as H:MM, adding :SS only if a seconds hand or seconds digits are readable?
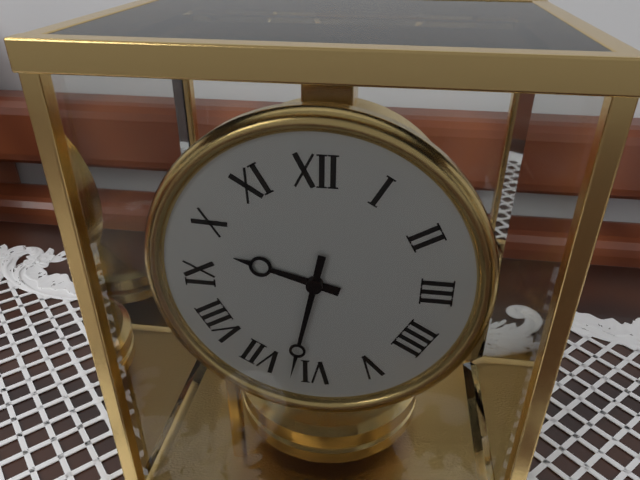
9:32
